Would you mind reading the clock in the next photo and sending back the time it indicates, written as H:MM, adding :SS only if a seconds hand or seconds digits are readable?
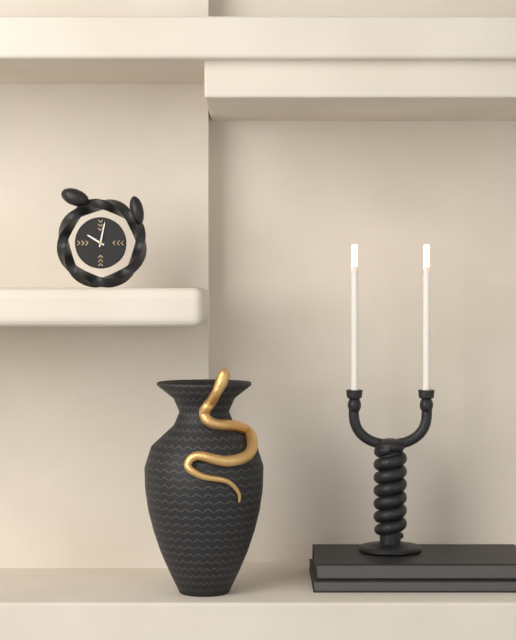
10:02
